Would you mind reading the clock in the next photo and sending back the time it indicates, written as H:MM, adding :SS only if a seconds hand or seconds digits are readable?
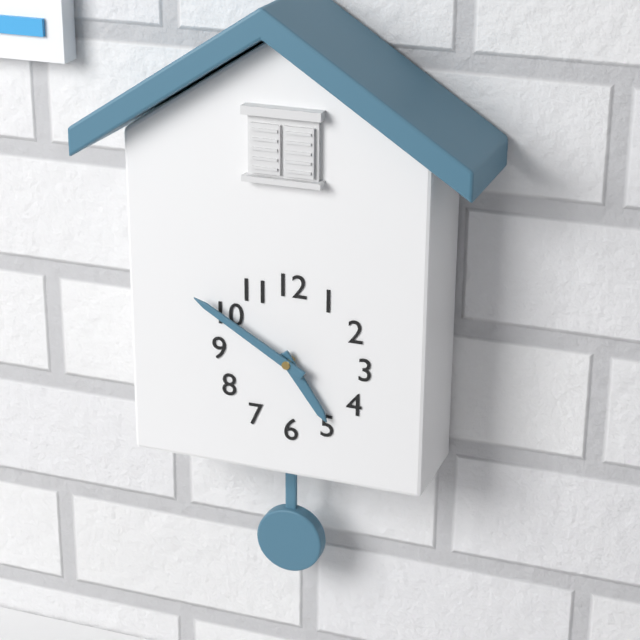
4:50
